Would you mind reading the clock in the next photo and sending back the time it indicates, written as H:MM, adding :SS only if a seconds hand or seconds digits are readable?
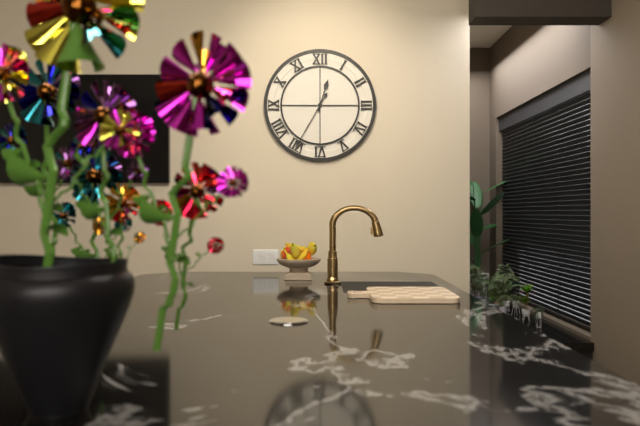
12:35
